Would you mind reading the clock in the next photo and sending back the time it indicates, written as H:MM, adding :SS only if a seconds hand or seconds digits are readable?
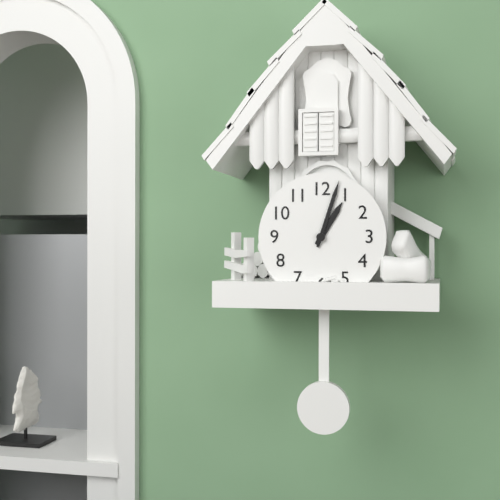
1:03
